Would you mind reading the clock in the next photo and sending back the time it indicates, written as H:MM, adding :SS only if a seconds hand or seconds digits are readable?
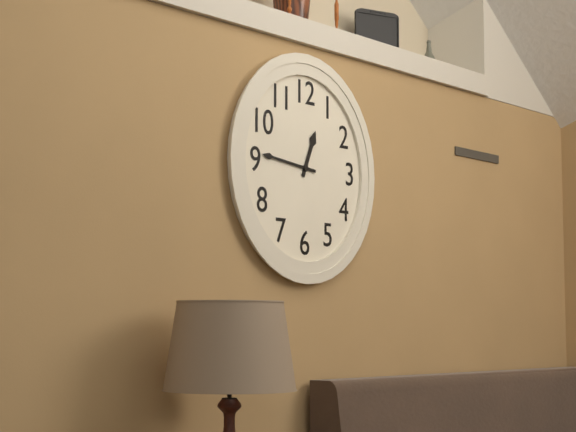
12:46
